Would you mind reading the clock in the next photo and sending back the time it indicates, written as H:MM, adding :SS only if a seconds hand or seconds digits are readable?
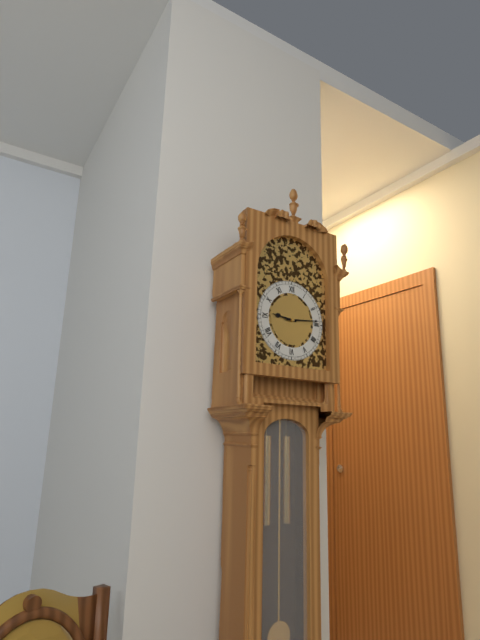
9:14
